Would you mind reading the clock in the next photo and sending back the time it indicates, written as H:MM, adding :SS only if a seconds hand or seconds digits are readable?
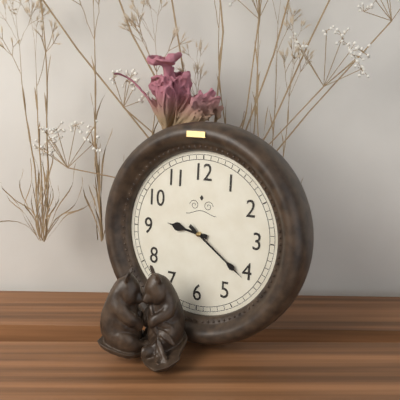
9:21
